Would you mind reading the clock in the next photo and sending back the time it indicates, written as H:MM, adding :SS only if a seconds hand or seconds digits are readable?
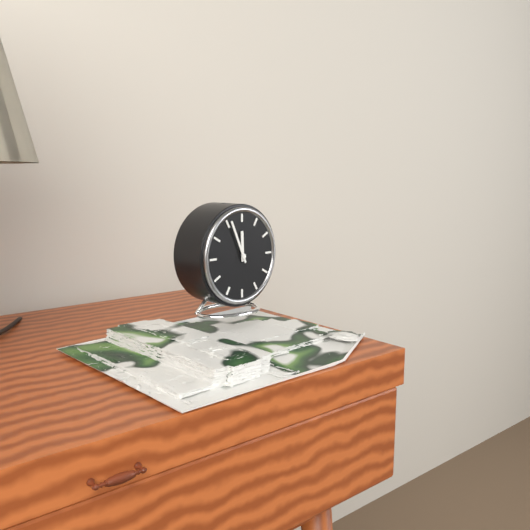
11:56
